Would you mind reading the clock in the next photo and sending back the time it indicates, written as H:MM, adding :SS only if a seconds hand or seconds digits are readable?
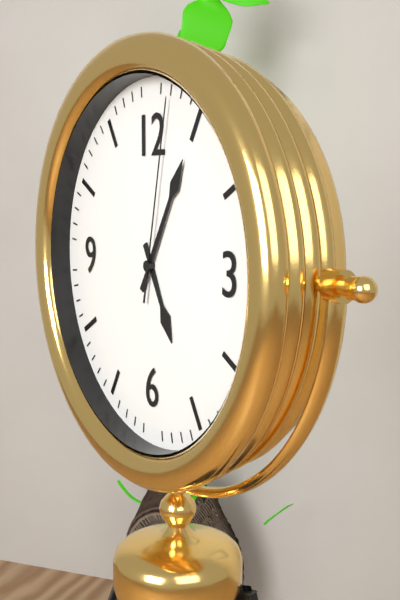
5:05:02
